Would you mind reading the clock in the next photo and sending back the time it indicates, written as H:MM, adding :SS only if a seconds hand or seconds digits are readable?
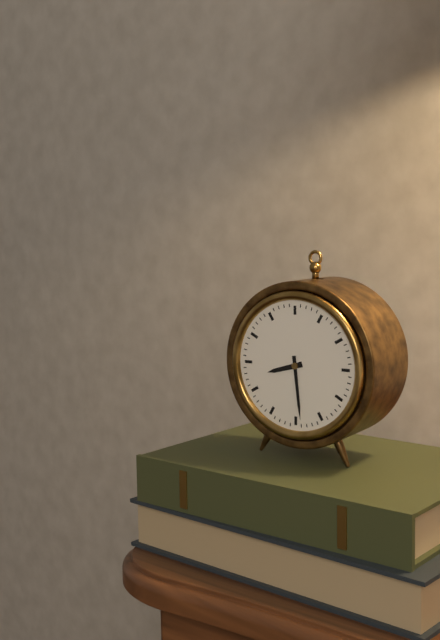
8:29
